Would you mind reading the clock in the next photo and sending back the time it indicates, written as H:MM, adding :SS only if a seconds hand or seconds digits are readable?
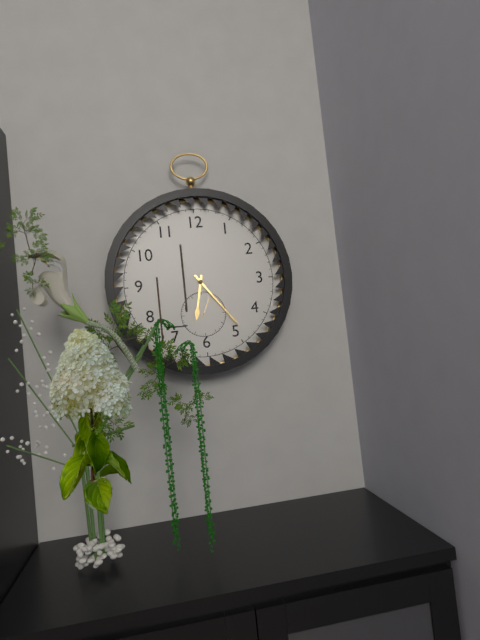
6:24
